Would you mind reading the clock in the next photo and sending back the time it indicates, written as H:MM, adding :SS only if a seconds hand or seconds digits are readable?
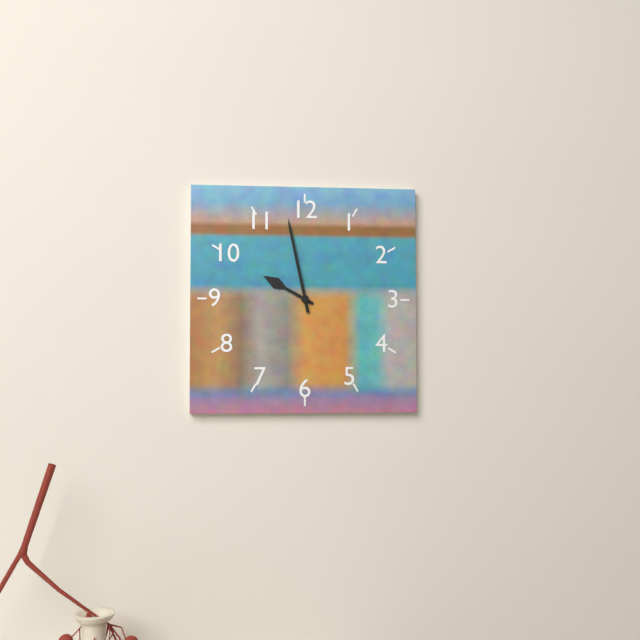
9:58
